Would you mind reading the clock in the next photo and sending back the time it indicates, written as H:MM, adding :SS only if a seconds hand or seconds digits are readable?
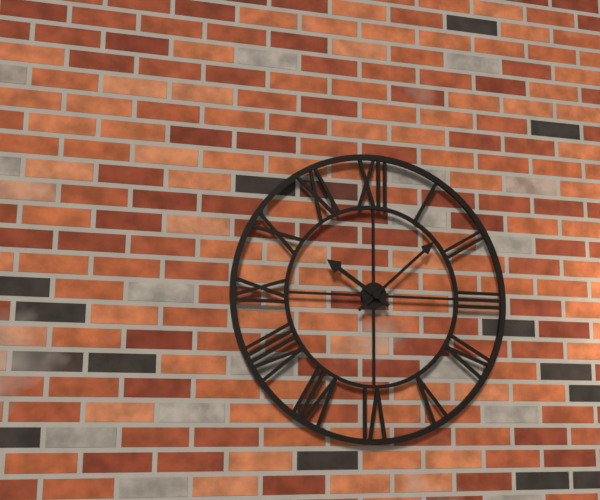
10:08
